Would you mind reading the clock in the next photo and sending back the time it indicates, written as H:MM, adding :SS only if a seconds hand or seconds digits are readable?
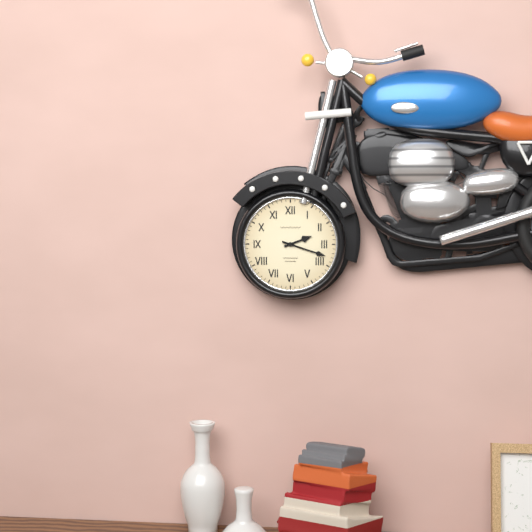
2:18
